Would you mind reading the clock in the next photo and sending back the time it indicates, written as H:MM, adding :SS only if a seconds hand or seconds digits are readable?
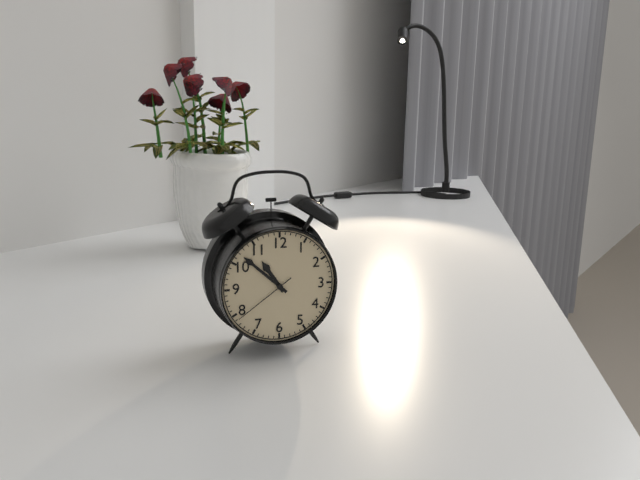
10:52:39
